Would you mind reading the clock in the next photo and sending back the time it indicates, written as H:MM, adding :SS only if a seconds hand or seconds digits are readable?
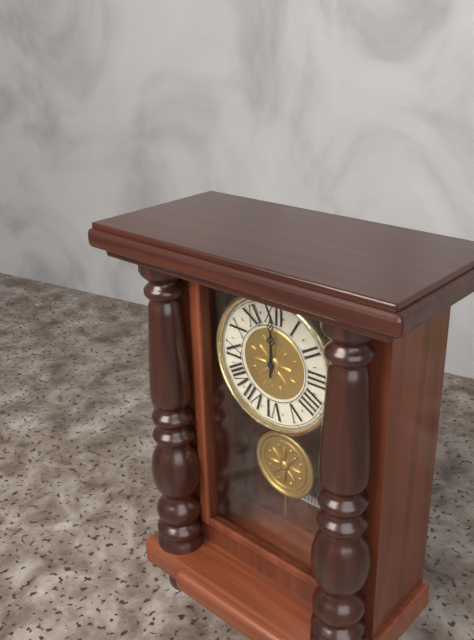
12:00
